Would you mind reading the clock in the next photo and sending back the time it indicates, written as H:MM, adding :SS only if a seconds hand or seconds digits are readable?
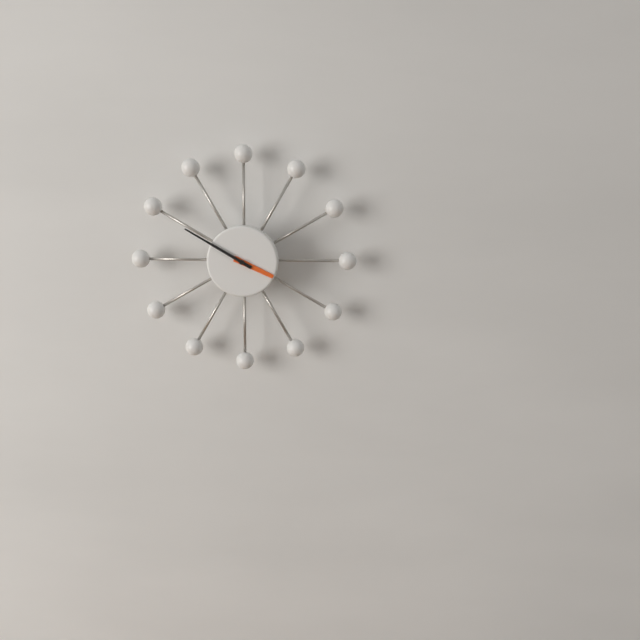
3:50
